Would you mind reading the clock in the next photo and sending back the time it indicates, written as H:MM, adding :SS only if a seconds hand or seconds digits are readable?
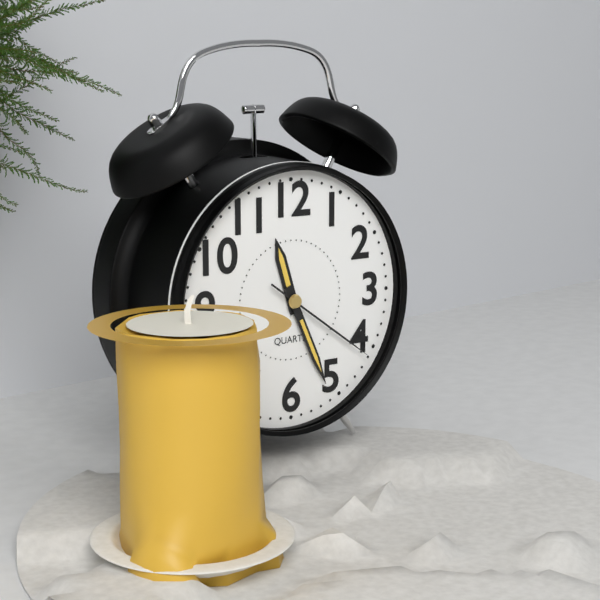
11:26:21
